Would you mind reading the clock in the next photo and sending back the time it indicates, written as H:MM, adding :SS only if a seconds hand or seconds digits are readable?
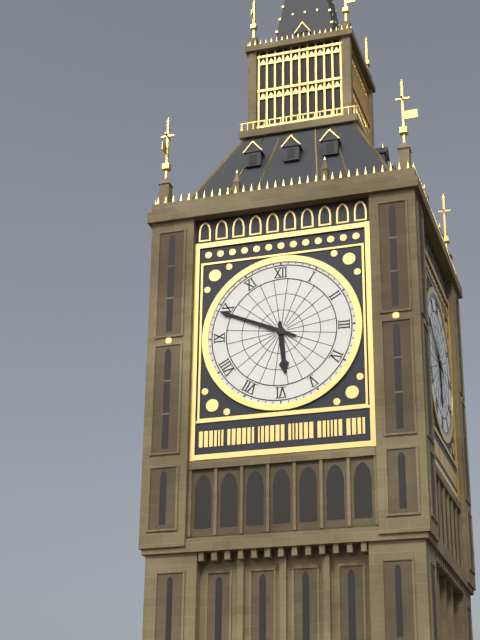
5:49
